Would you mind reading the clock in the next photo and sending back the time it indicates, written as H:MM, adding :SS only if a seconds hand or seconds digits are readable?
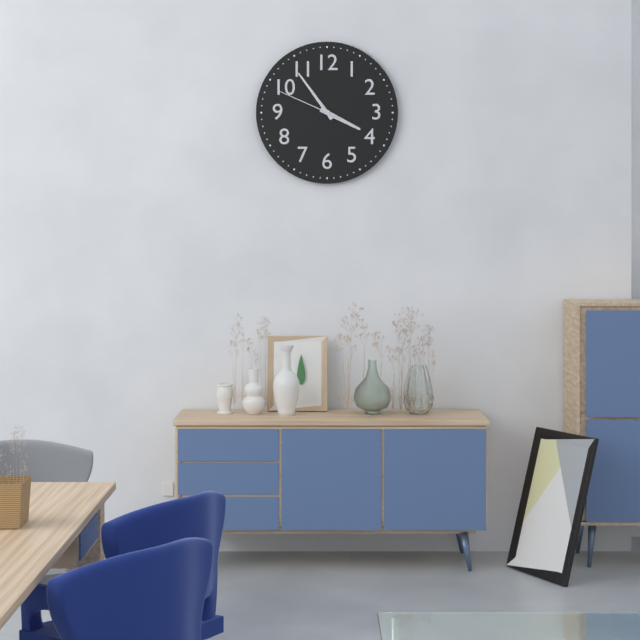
3:54:49
